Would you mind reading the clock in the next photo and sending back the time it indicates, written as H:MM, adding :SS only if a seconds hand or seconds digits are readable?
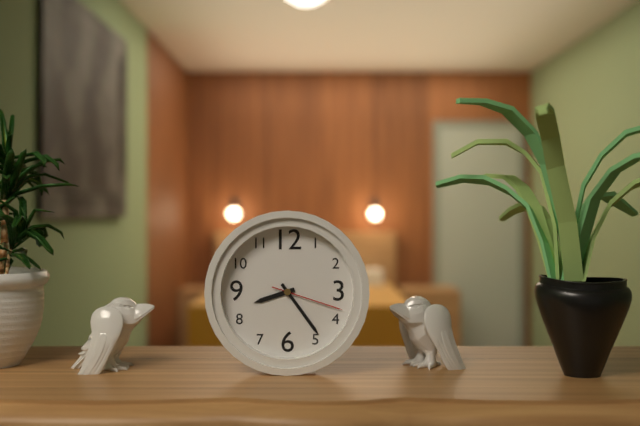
8:24:18
